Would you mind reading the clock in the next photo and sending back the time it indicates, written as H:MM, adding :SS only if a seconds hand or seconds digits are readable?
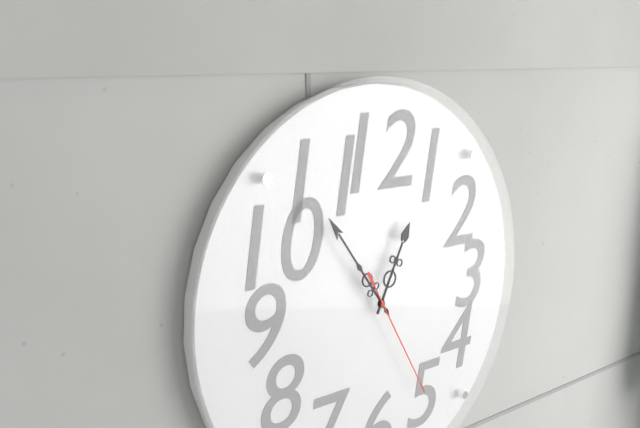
12:54:25
